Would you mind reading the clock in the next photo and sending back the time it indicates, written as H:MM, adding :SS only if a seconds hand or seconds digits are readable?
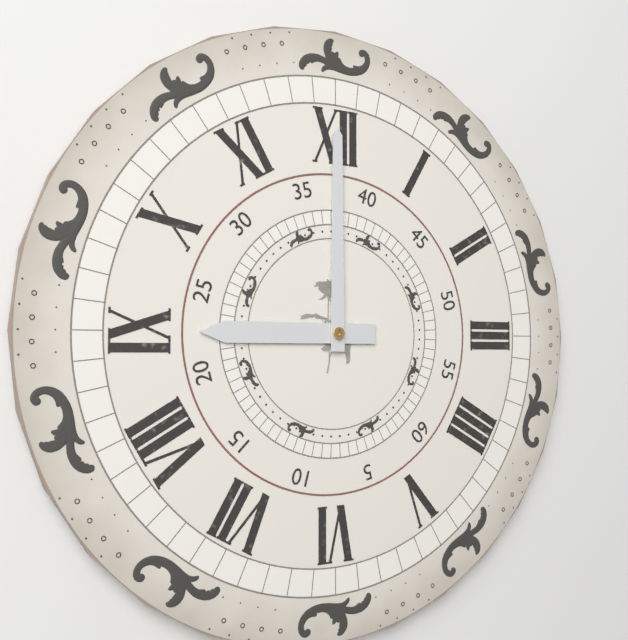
9:00
